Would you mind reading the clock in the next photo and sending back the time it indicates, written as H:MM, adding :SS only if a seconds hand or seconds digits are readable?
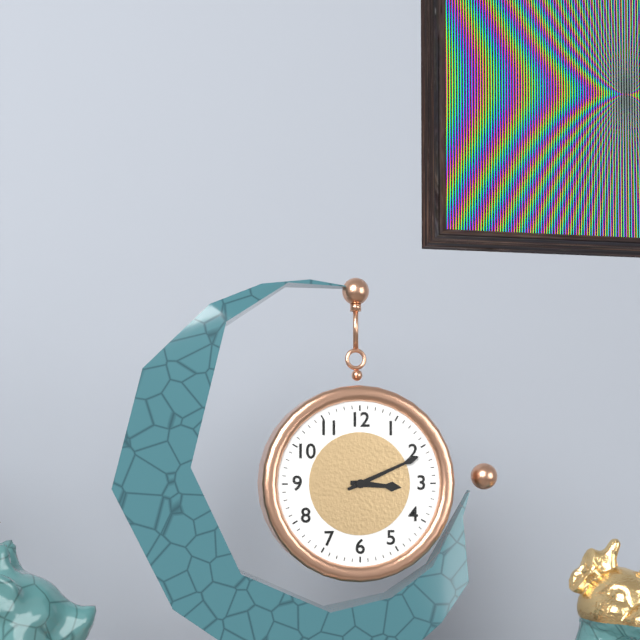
3:11
